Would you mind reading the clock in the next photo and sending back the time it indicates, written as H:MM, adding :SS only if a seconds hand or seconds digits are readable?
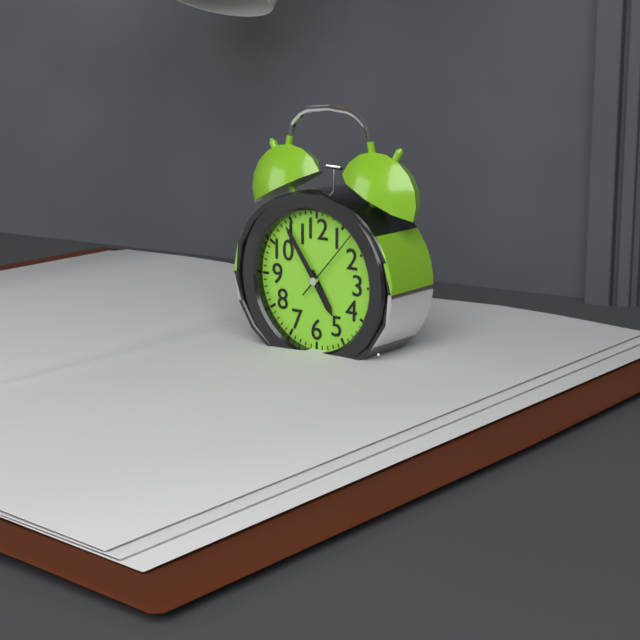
4:54:07
